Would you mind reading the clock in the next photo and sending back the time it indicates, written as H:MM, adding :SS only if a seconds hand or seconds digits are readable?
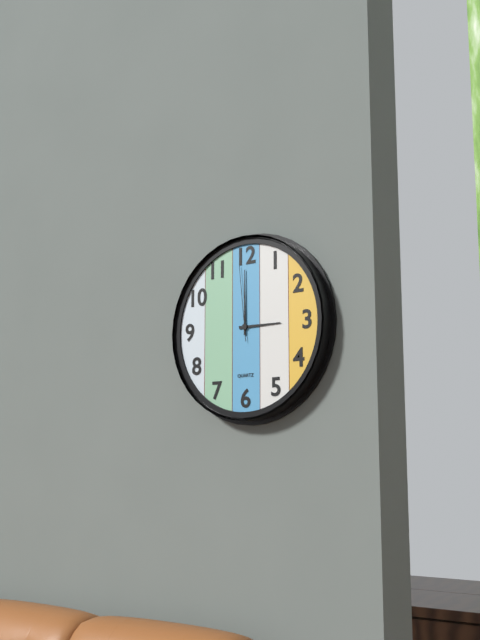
3:00:59
